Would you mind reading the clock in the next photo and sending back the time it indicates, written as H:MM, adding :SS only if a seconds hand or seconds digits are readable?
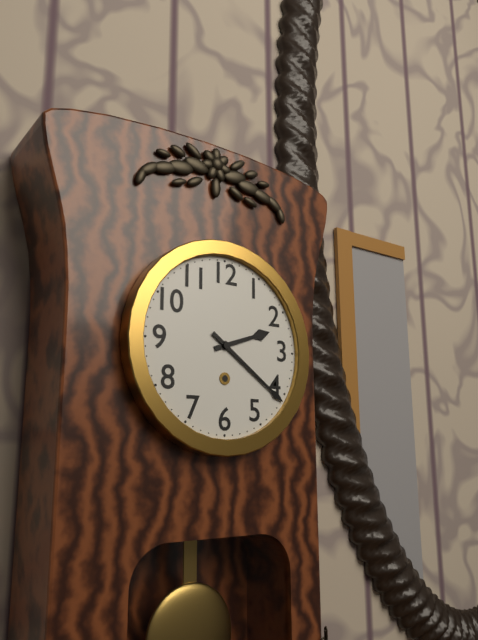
2:21
